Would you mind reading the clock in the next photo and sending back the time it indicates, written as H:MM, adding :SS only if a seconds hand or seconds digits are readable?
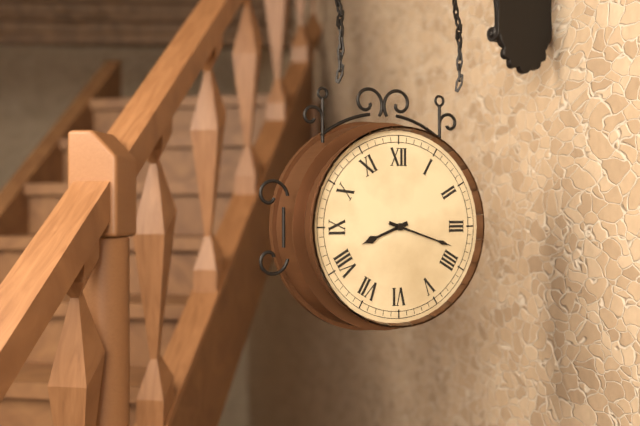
8:18
